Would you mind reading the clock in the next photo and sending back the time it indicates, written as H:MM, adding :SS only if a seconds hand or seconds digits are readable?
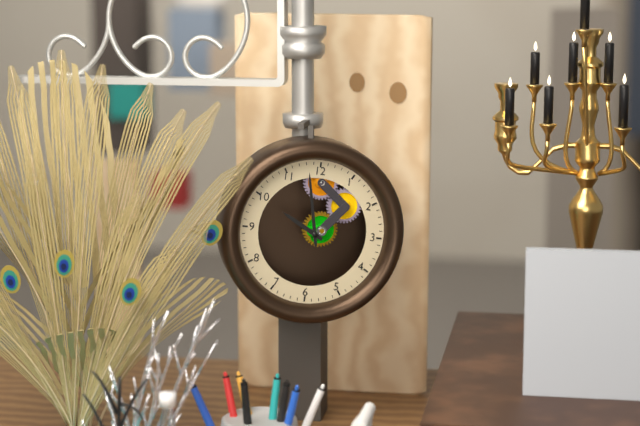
9:58
